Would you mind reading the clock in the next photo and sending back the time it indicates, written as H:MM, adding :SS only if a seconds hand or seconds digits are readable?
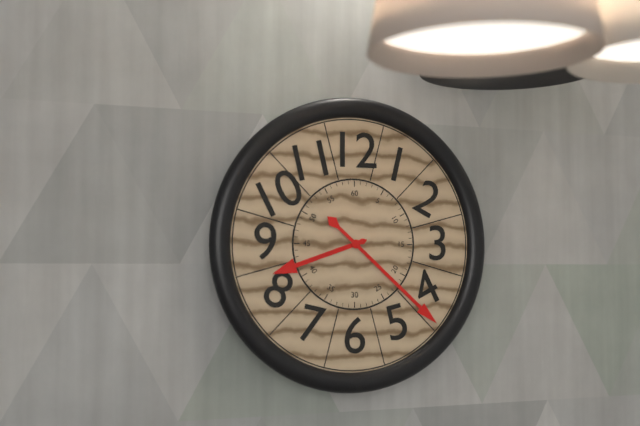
8:22
